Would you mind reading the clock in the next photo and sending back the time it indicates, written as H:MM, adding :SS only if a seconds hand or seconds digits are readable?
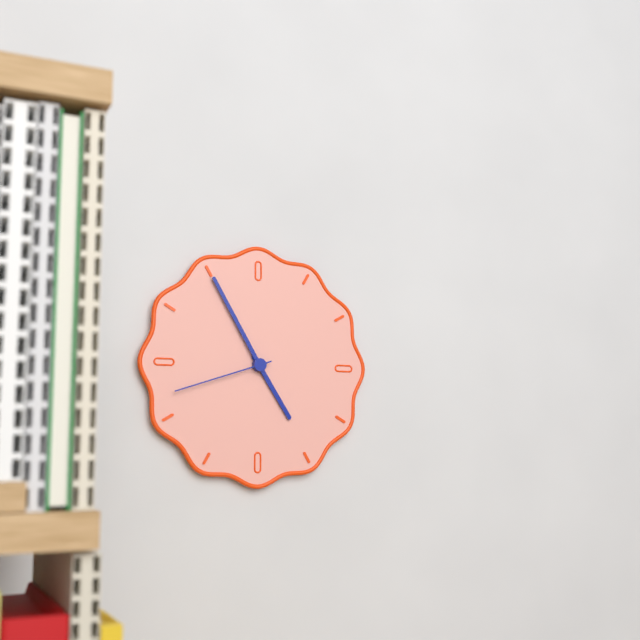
4:55:42
